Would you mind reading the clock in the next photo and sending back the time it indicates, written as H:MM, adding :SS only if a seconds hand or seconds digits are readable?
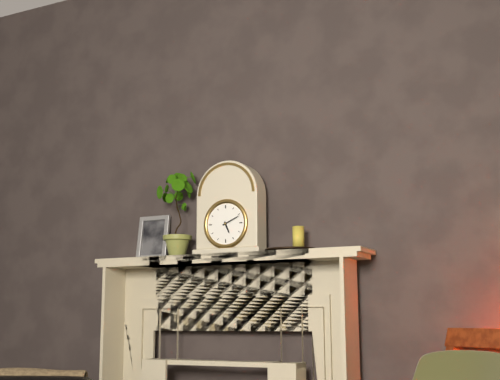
5:11
